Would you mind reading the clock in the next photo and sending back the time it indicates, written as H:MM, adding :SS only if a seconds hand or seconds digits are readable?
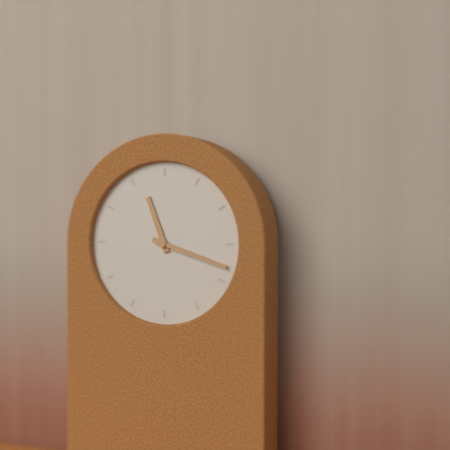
11:18
